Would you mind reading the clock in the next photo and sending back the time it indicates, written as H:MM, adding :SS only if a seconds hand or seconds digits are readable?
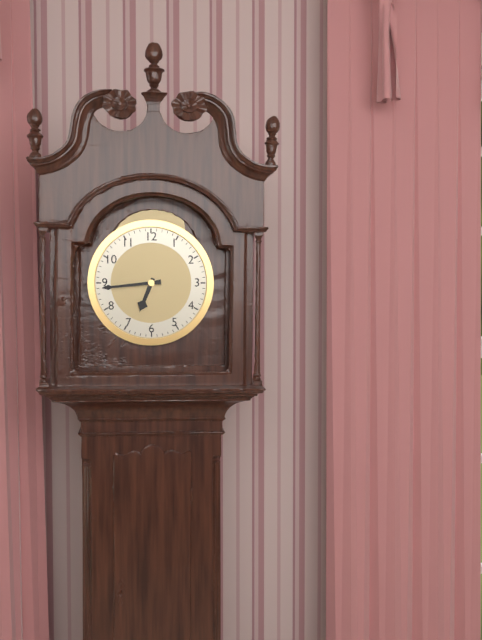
6:44
